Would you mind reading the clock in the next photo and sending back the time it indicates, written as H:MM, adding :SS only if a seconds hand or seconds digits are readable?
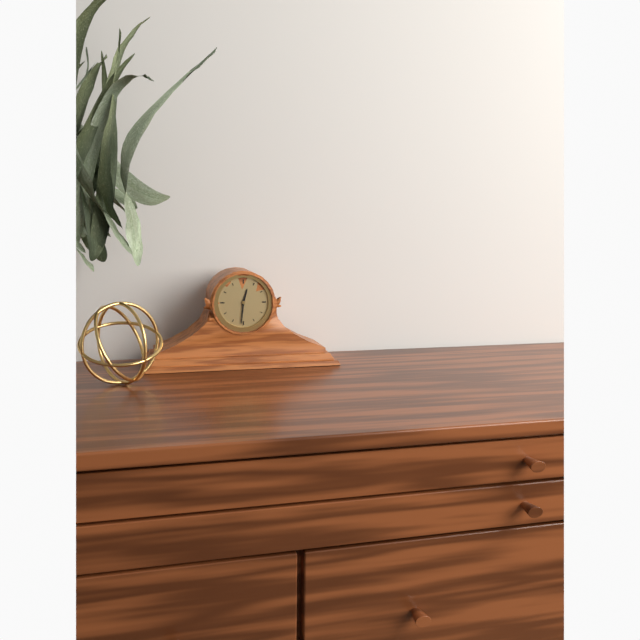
12:31
